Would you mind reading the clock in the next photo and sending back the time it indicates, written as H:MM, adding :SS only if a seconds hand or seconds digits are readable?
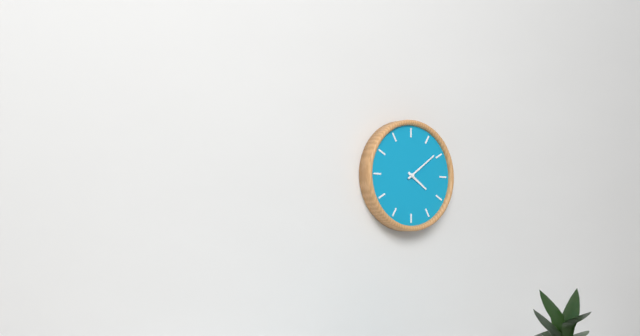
4:09
